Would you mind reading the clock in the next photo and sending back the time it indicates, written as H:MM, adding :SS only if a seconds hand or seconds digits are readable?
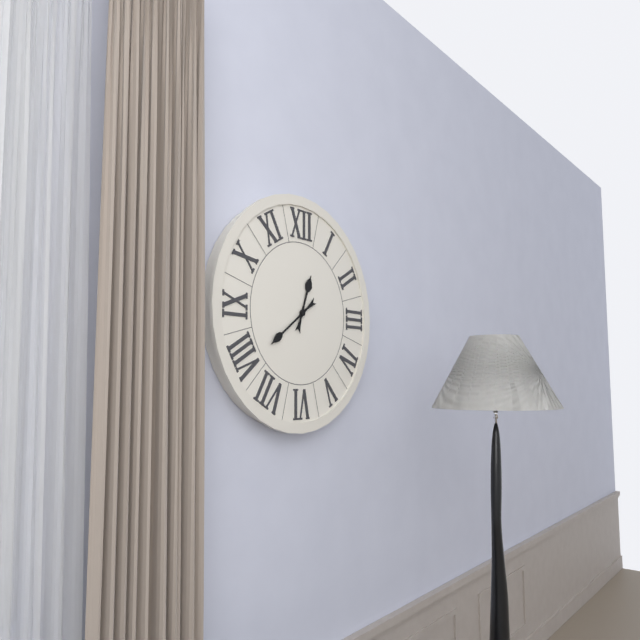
12:39
